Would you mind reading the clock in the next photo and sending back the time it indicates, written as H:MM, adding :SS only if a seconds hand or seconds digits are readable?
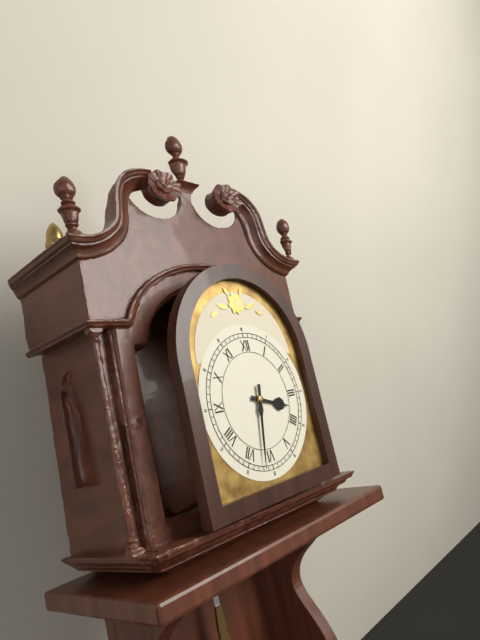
3:32
